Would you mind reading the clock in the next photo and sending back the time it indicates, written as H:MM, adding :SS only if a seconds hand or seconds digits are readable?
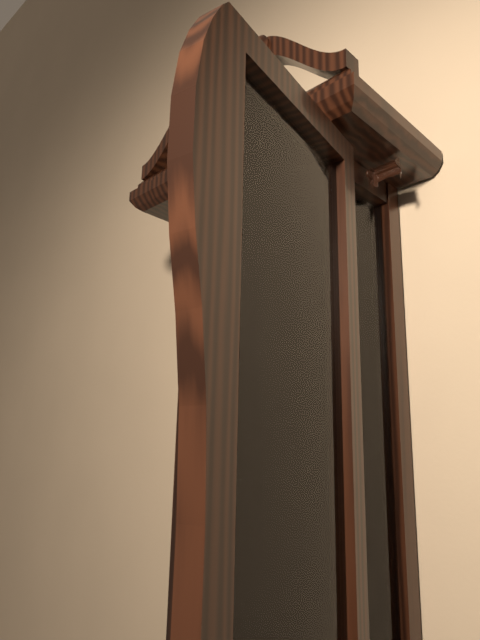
9:56
